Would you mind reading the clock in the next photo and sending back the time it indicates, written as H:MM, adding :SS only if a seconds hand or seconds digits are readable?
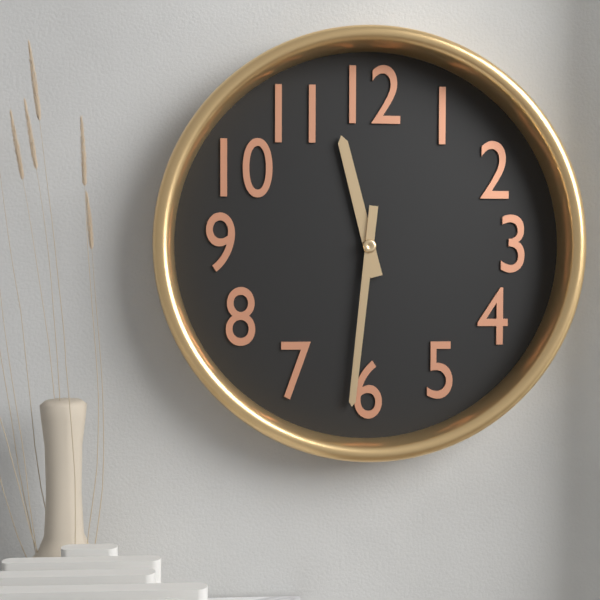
11:31
